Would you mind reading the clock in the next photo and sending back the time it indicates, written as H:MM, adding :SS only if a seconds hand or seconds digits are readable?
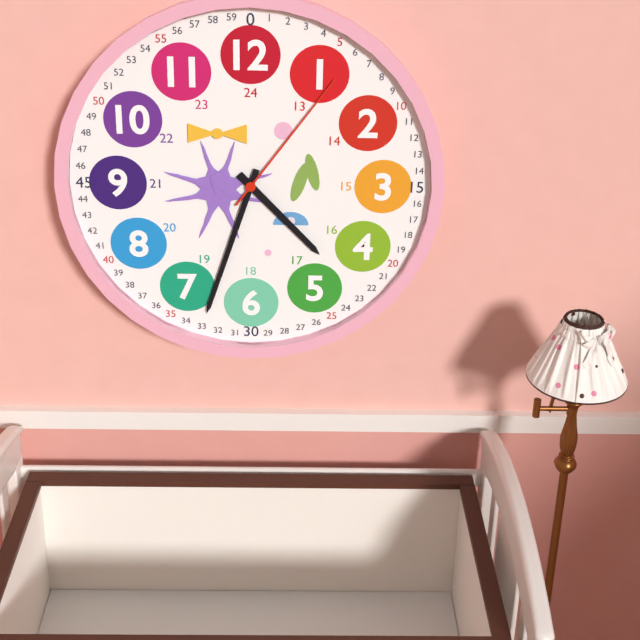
4:33:06
